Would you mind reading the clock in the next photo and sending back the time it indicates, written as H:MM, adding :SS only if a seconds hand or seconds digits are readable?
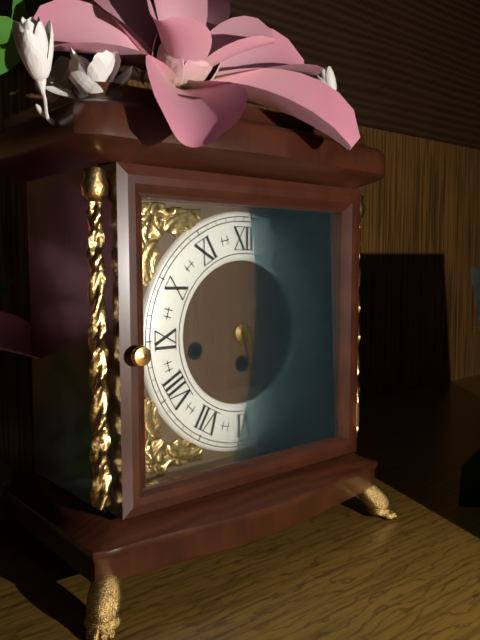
5:23
